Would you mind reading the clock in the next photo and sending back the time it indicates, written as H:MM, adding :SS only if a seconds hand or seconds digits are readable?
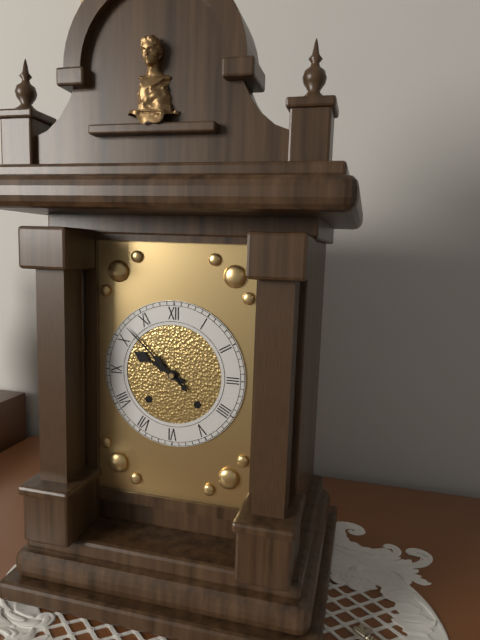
9:52
